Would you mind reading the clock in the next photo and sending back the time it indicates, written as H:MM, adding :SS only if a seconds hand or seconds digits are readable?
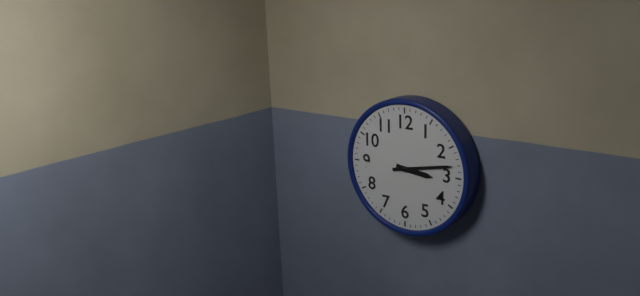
3:13
